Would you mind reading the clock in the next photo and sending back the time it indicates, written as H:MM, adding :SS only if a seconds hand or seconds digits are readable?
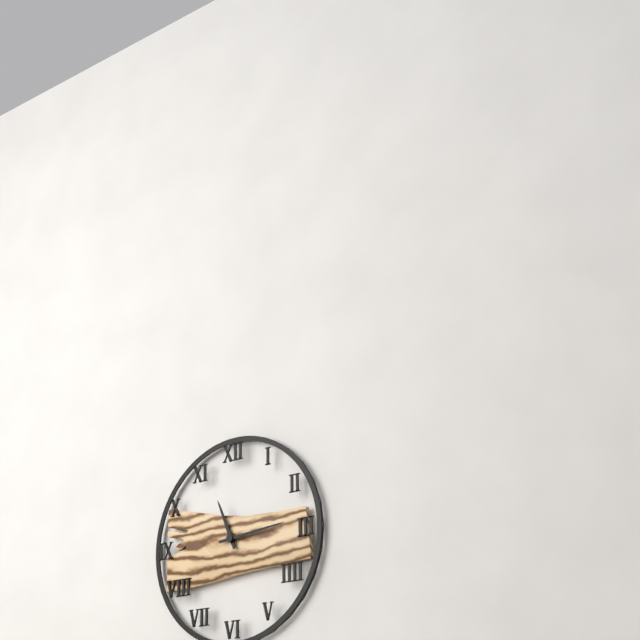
11:14
